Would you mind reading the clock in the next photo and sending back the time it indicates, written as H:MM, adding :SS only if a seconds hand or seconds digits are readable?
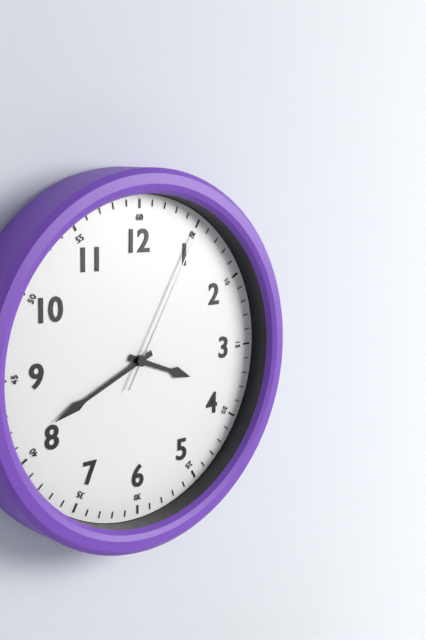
3:41:05
